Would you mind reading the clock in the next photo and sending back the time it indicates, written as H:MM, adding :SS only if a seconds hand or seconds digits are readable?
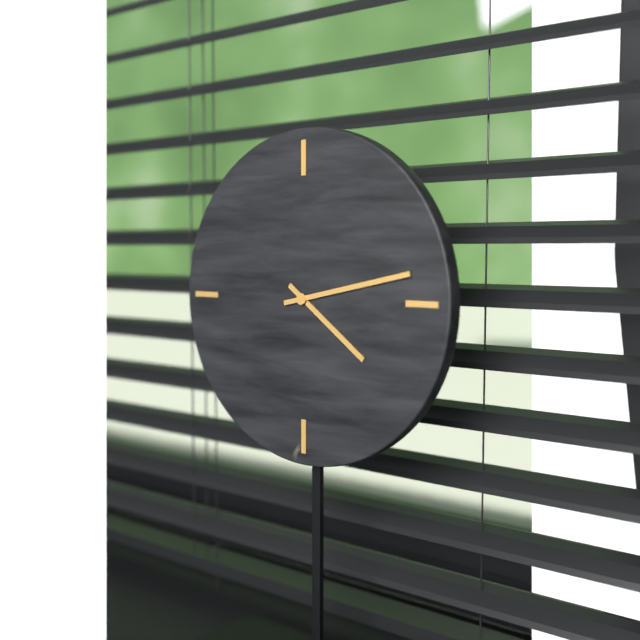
4:13
